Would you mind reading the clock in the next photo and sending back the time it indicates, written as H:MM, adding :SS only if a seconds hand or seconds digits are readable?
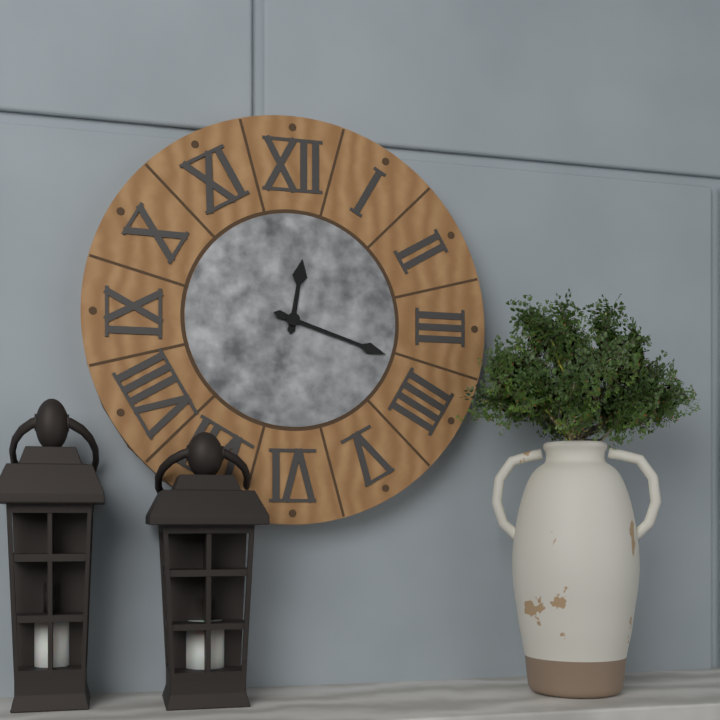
12:18
